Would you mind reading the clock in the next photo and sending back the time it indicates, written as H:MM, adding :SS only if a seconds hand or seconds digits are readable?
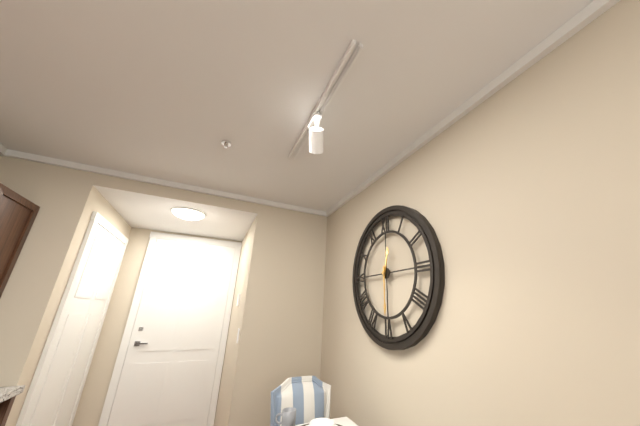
12:30
